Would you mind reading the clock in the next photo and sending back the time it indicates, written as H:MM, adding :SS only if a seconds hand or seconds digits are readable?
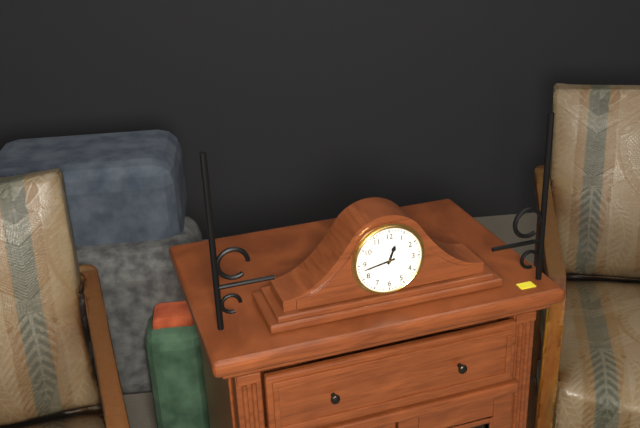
12:43
